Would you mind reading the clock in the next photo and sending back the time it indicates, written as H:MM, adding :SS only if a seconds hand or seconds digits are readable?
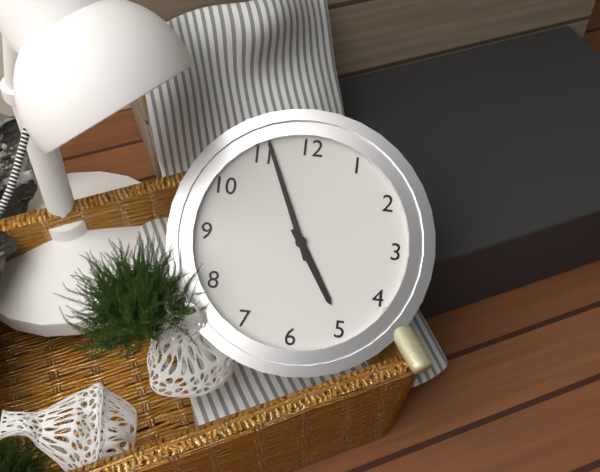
4:56
